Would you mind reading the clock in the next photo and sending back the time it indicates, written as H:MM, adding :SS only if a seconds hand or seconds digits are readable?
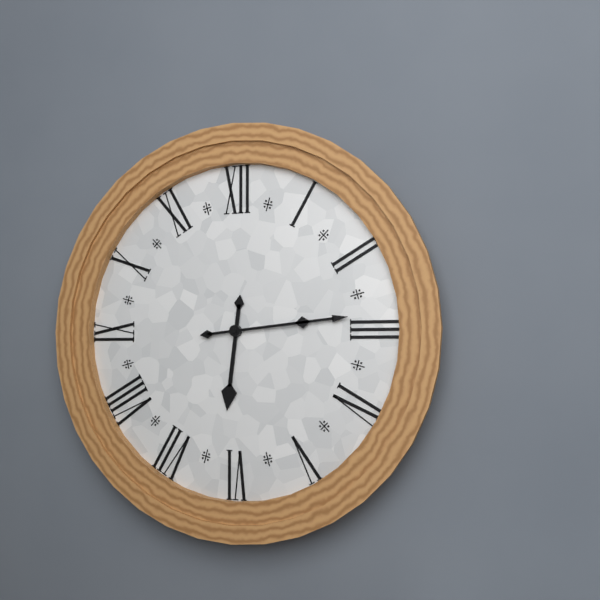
6:14
